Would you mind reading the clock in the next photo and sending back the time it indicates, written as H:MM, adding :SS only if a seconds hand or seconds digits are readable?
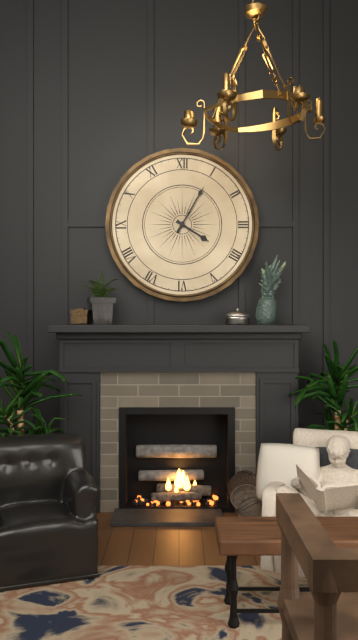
4:05
